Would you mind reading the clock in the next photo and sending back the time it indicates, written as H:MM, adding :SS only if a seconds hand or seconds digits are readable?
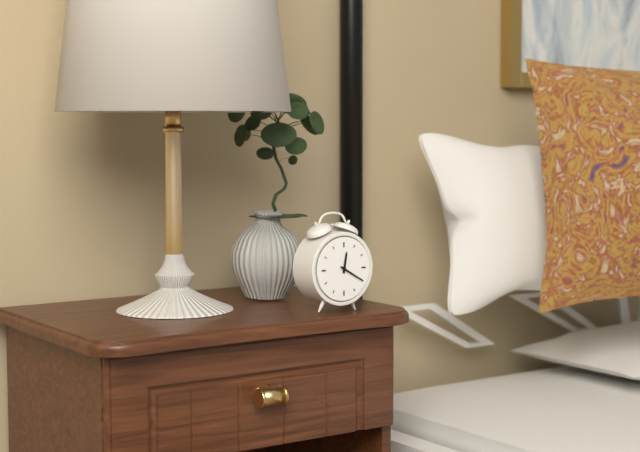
12:20
